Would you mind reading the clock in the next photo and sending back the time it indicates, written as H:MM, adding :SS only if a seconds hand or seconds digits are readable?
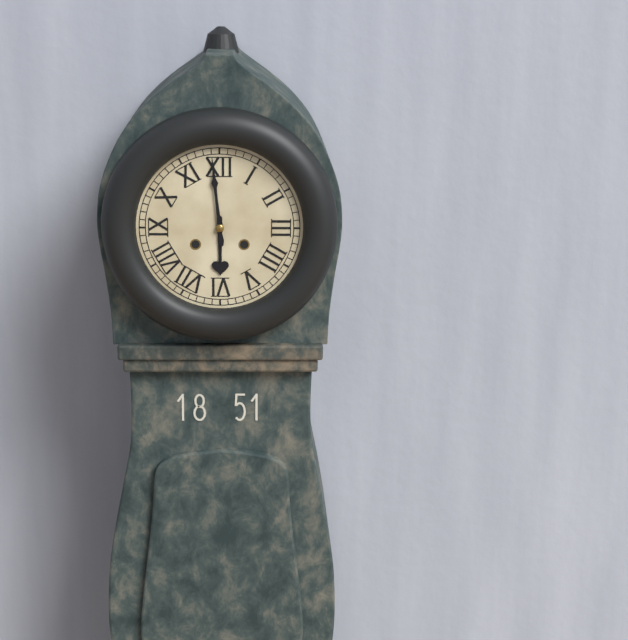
5:59
